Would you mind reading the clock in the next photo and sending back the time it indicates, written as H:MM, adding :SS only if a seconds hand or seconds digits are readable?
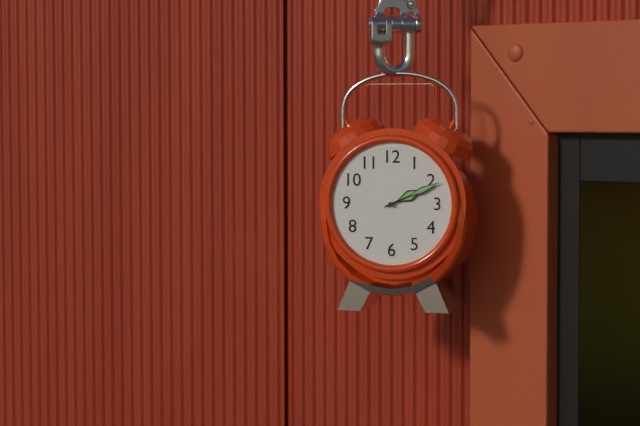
2:11
